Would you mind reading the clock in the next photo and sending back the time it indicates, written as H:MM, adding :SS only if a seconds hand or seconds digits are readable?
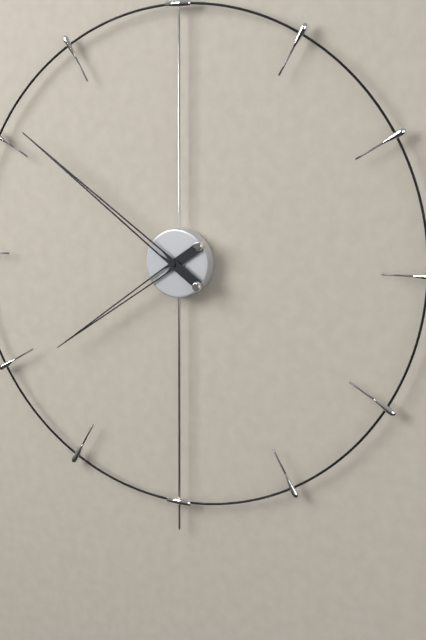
7:51
